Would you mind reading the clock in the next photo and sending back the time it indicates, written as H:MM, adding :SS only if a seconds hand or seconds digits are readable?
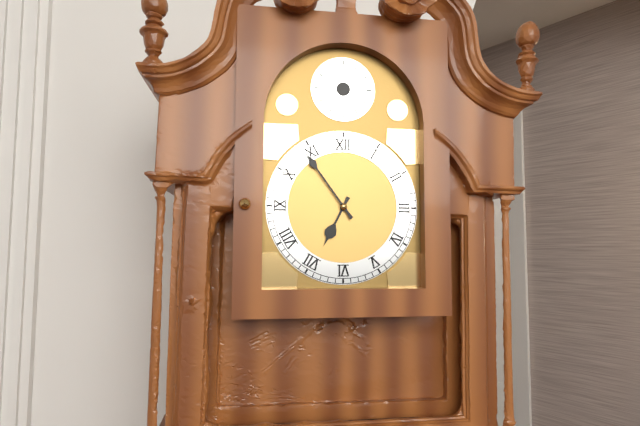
6:54
